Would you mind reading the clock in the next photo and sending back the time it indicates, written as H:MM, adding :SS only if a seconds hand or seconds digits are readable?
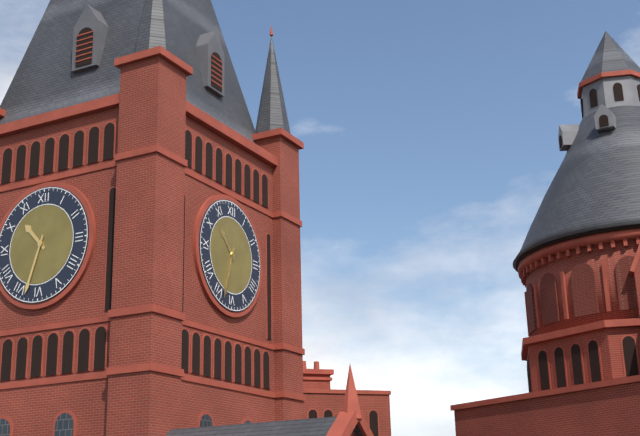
10:33
